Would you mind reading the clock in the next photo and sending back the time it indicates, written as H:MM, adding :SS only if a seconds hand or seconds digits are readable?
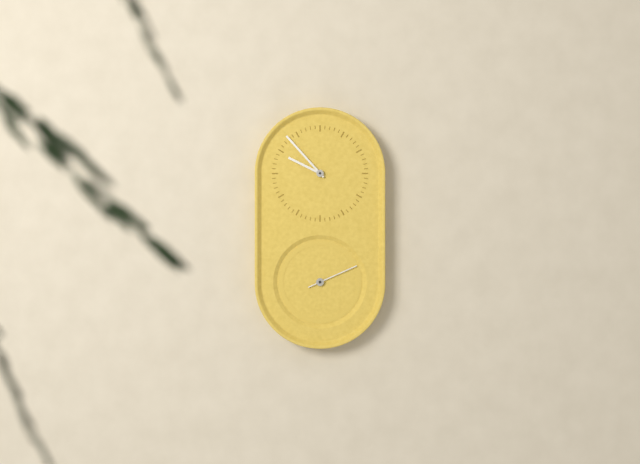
9:53:11
